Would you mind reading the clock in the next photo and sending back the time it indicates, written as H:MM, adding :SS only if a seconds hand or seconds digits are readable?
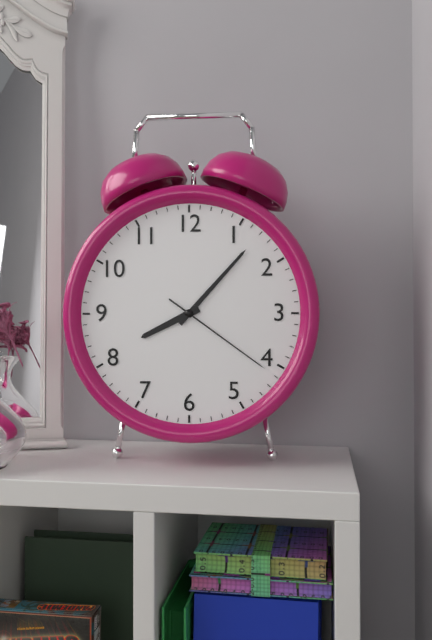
8:07:21
